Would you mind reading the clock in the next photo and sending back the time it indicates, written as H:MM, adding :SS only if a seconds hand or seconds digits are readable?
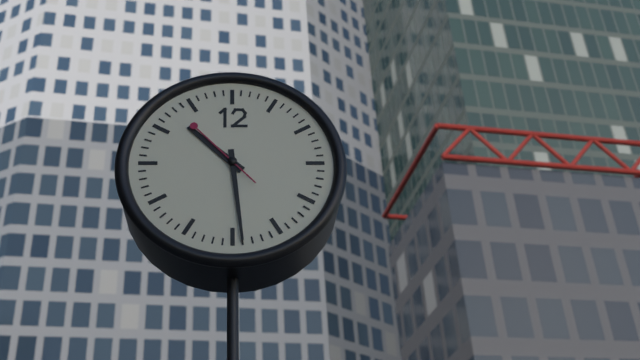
10:29:53
